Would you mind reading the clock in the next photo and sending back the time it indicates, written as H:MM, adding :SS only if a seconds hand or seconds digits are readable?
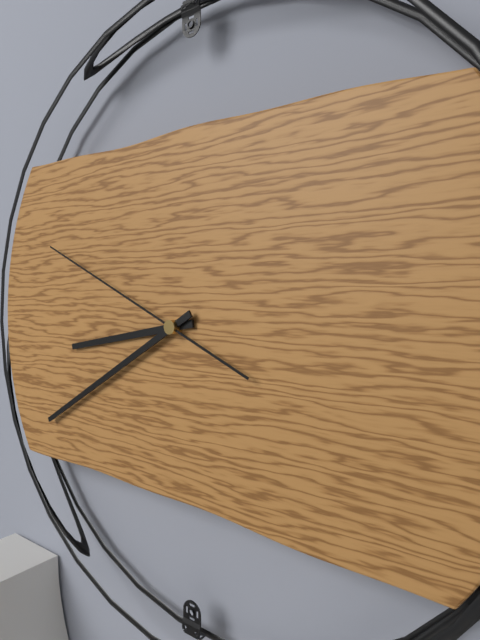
8:40:49
